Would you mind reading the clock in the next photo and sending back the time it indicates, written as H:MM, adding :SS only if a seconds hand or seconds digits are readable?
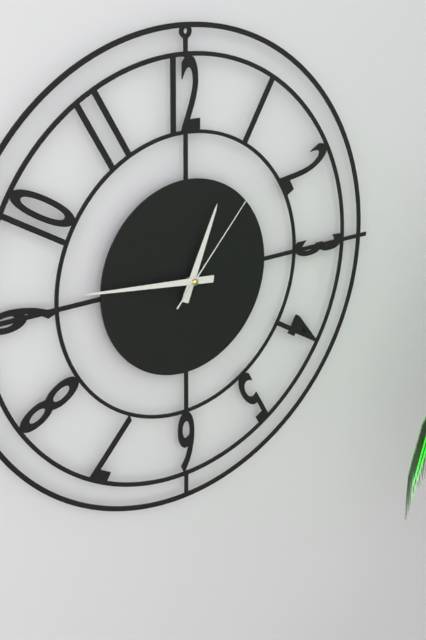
12:46:07
